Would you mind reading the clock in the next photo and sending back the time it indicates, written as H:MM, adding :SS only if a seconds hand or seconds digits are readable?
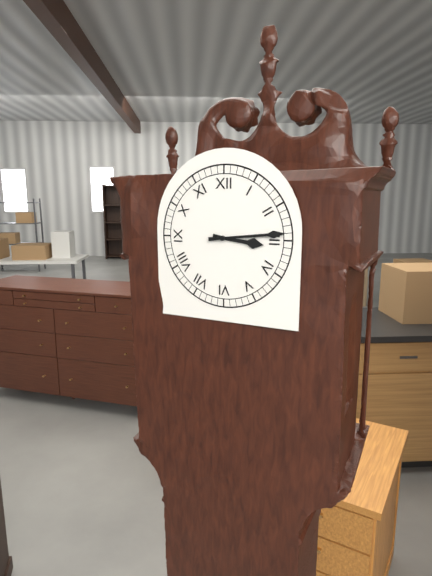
3:14
